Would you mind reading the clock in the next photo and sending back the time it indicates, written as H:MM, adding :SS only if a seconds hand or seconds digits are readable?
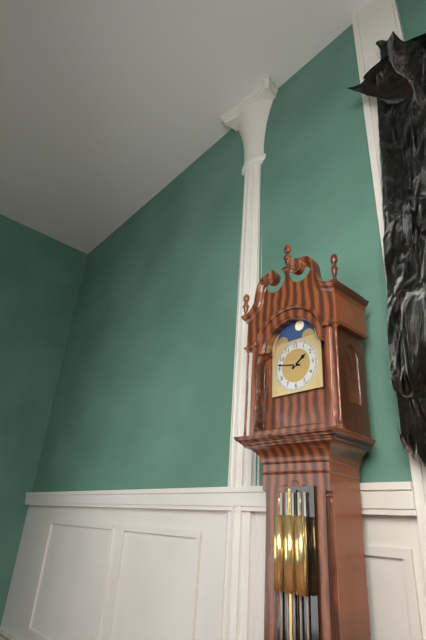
1:47
